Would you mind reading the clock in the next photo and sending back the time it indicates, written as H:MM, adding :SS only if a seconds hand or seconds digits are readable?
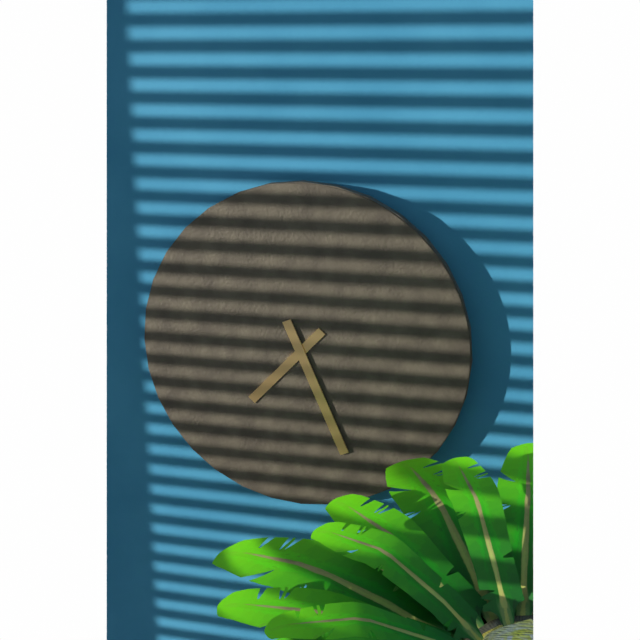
7:26
